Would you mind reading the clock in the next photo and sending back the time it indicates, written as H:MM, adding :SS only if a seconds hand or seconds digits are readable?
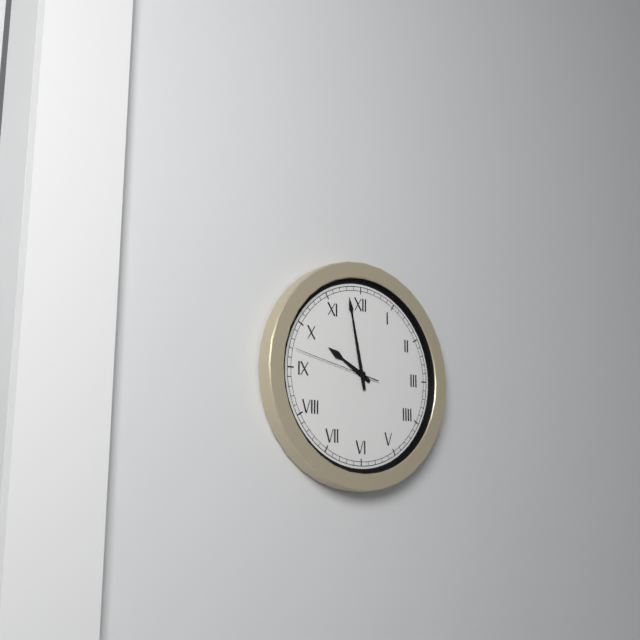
9:58:47
